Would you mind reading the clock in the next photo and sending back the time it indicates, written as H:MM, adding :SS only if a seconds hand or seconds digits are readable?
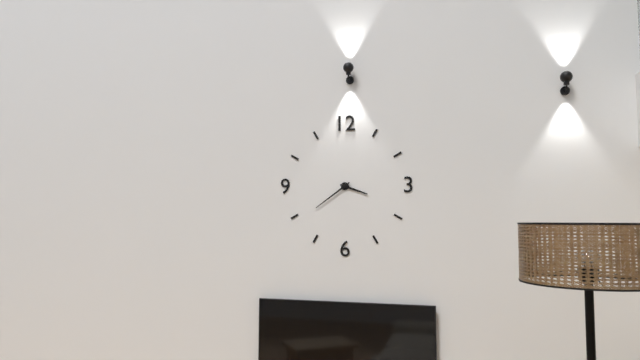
3:39
